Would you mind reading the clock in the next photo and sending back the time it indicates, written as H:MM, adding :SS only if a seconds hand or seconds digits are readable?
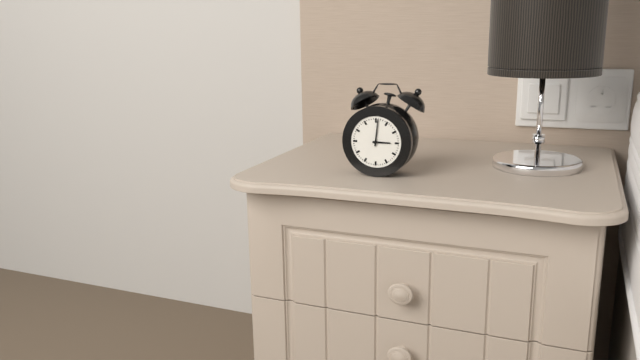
3:01
